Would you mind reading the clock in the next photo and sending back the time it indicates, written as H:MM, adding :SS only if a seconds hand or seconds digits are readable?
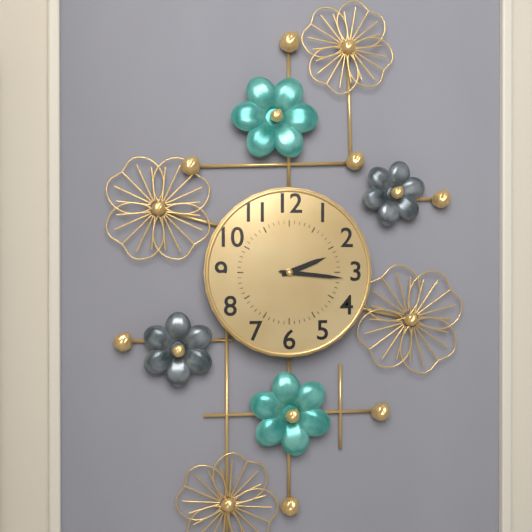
2:16
